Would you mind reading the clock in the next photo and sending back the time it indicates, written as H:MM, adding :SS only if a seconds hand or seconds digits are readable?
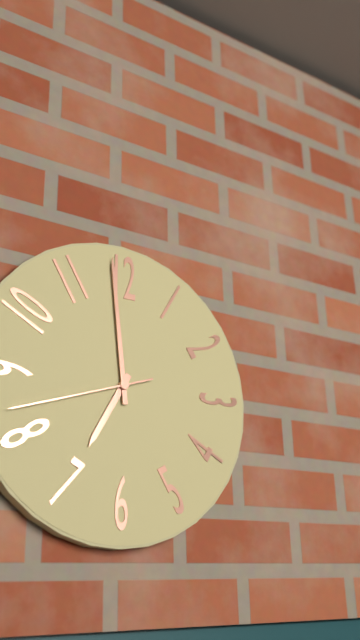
6:59:42
